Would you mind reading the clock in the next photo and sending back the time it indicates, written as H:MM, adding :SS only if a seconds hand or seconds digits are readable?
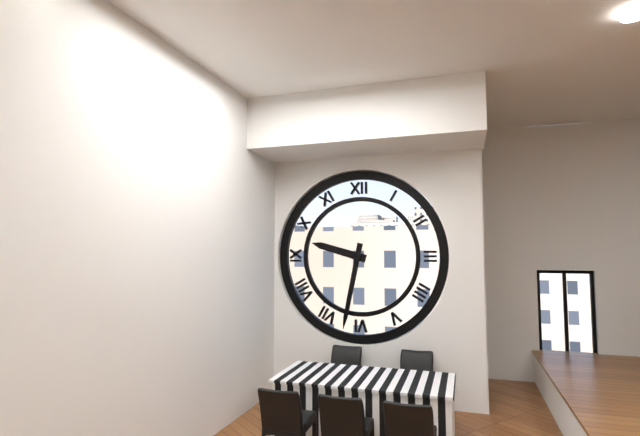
9:32
